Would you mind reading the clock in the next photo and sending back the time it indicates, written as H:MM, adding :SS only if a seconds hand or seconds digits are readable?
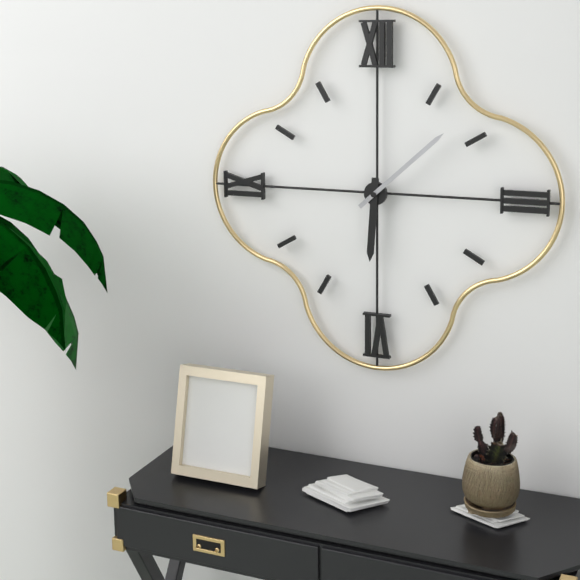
6:08
